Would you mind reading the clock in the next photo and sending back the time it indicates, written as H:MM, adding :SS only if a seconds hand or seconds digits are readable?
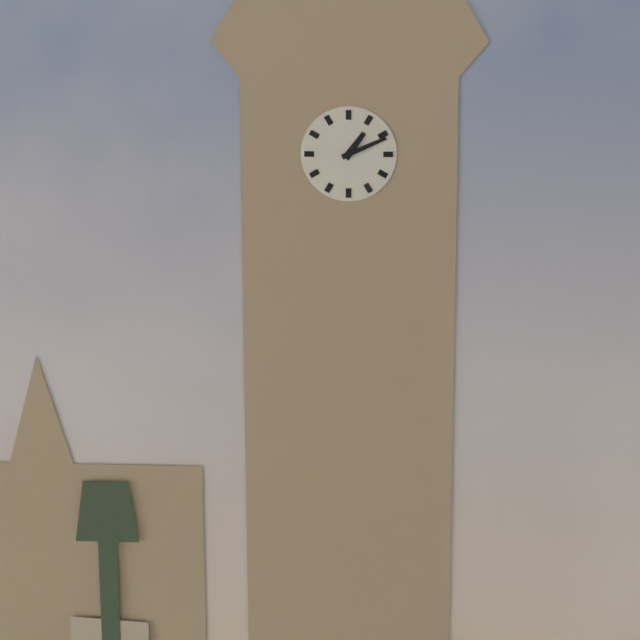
1:11
